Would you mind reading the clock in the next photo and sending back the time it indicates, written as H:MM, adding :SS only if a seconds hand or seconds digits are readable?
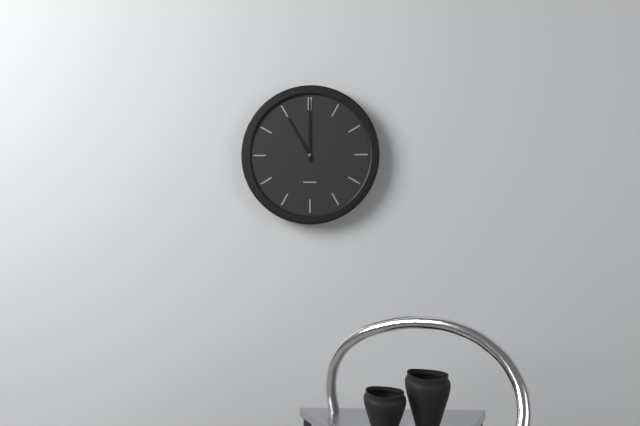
11:00
